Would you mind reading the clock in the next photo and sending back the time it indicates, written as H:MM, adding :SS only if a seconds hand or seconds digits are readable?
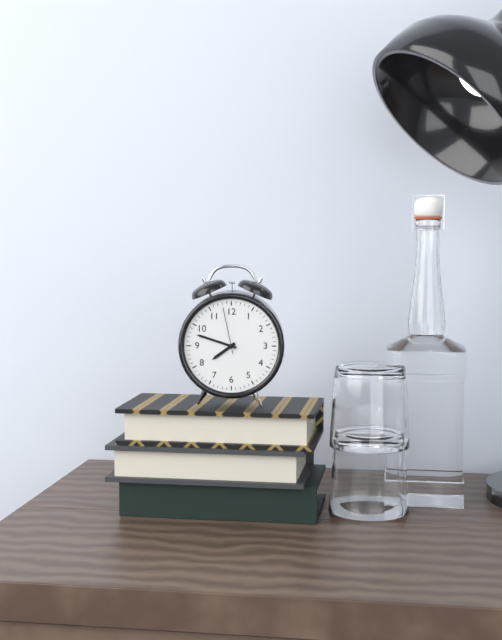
7:48
